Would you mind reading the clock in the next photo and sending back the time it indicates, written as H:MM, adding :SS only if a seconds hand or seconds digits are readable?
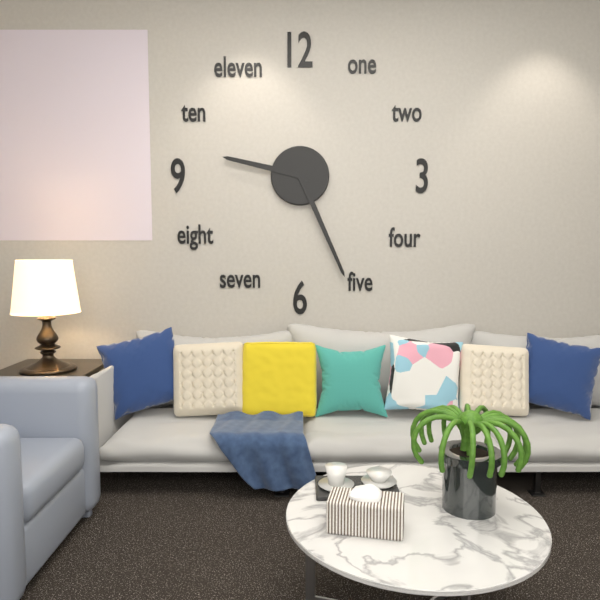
9:26
